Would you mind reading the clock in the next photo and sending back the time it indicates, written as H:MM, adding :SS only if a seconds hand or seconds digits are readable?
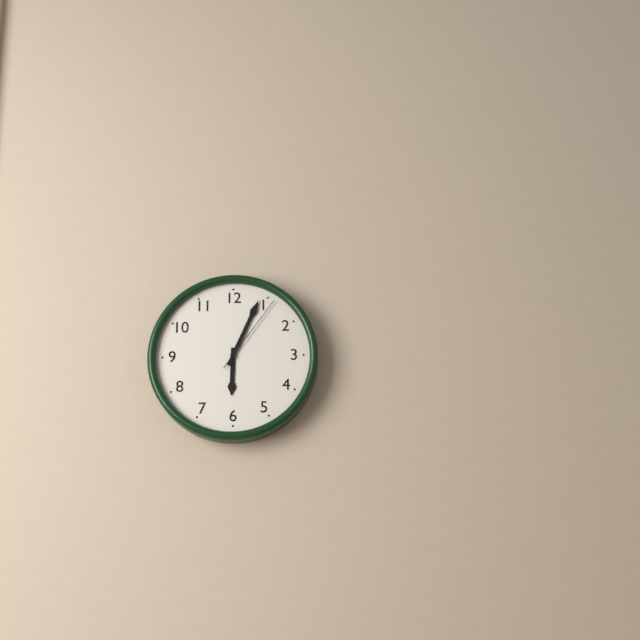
6:04:06
